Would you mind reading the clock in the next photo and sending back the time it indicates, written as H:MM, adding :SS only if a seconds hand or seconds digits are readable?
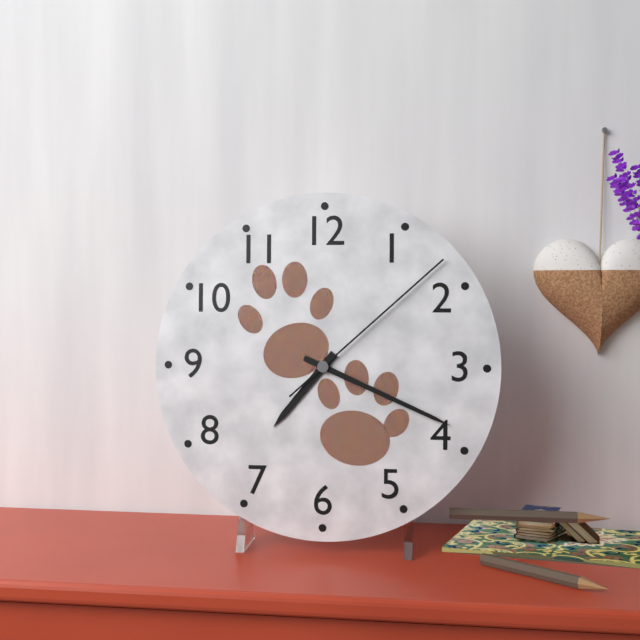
7:19:08
